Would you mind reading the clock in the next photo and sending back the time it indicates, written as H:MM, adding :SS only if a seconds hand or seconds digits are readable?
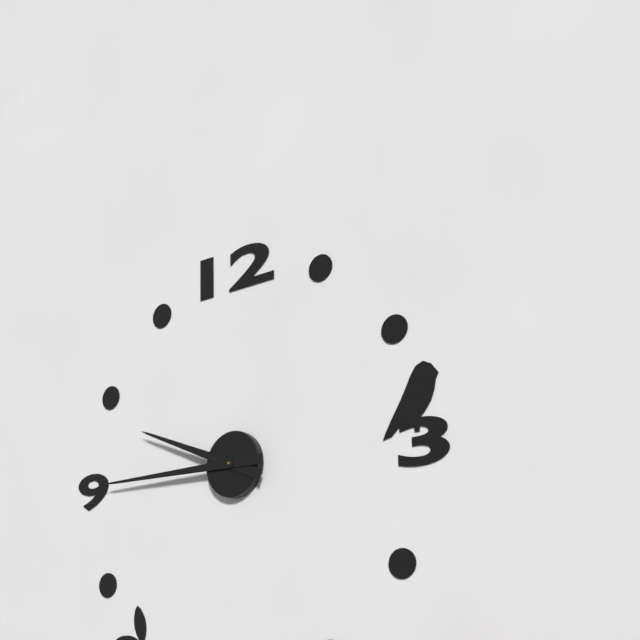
9:45
